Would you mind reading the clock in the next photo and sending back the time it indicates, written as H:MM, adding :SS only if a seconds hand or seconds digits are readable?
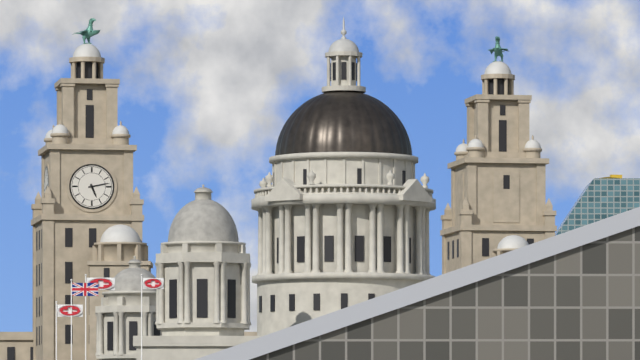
5:13
